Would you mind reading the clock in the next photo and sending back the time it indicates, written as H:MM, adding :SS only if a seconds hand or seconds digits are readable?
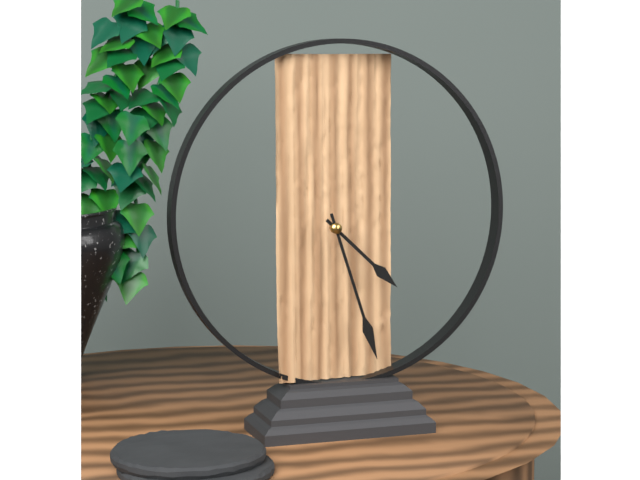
4:27
